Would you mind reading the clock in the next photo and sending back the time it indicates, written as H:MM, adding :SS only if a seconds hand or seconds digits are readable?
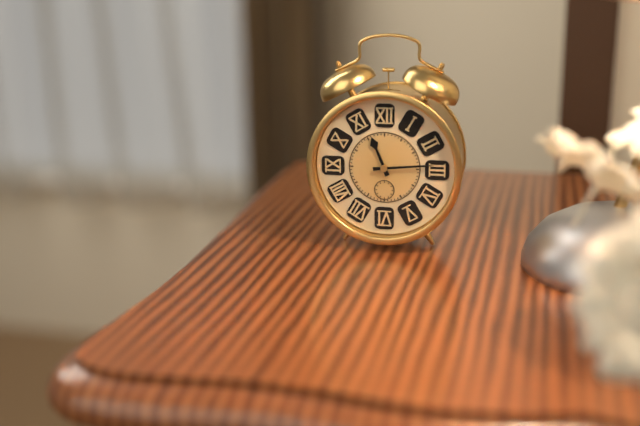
11:14
